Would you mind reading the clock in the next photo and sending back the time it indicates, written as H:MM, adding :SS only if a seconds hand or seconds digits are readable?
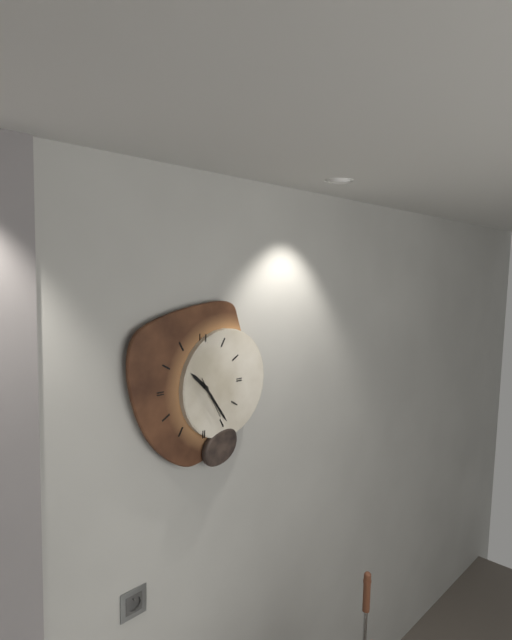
10:24
